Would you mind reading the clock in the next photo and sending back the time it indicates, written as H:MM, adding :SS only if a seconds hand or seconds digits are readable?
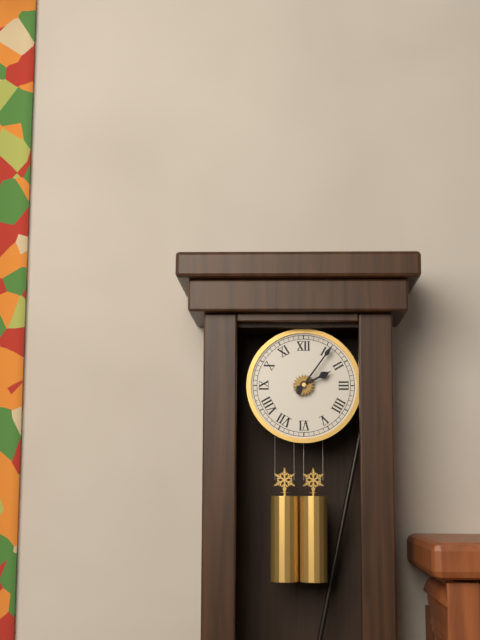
2:06
